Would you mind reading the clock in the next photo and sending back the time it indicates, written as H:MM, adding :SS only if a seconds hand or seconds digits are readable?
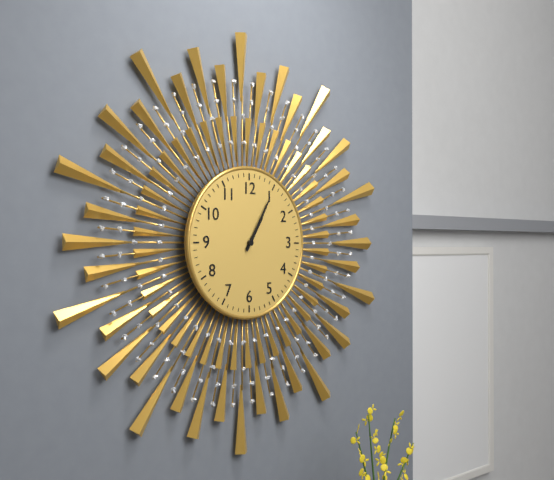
1:05
